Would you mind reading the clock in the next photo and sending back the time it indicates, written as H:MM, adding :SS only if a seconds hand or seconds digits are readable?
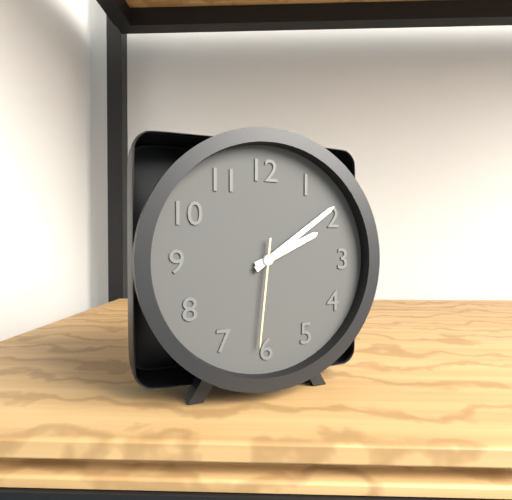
2:09:31
